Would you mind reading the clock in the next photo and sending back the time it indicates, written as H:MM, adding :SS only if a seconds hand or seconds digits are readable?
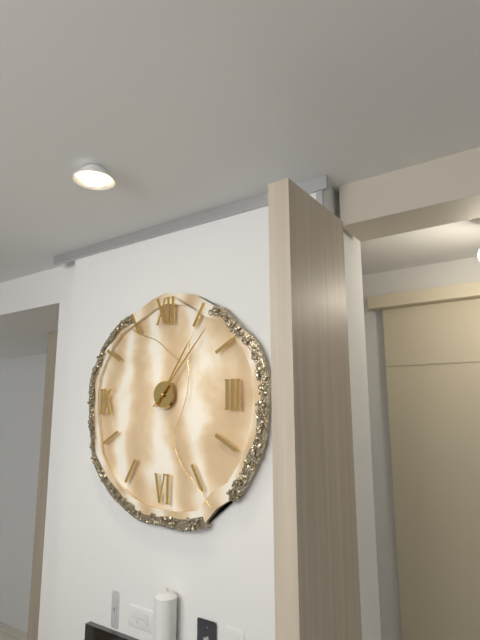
1:07
